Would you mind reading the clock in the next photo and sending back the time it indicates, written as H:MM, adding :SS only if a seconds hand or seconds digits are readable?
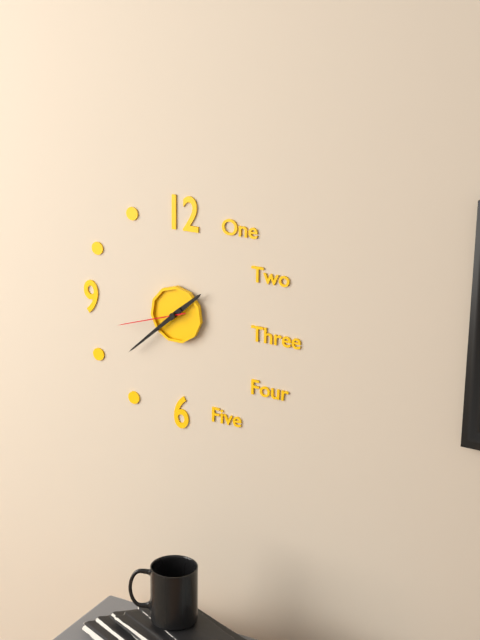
1:38:42
